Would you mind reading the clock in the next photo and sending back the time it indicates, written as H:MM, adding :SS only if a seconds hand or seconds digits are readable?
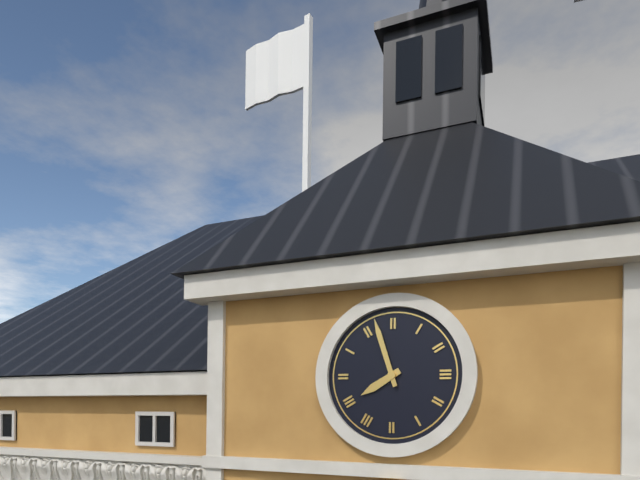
7:57
